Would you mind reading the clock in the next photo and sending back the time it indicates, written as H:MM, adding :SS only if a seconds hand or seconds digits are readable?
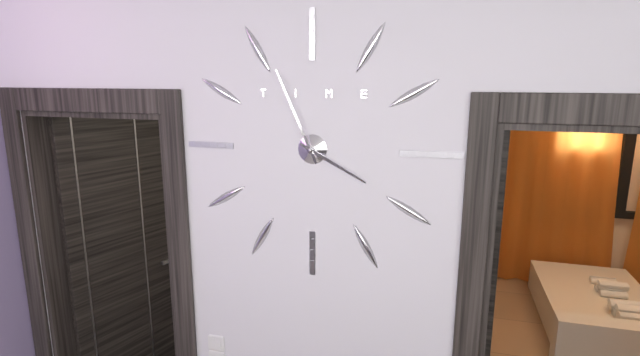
3:56
